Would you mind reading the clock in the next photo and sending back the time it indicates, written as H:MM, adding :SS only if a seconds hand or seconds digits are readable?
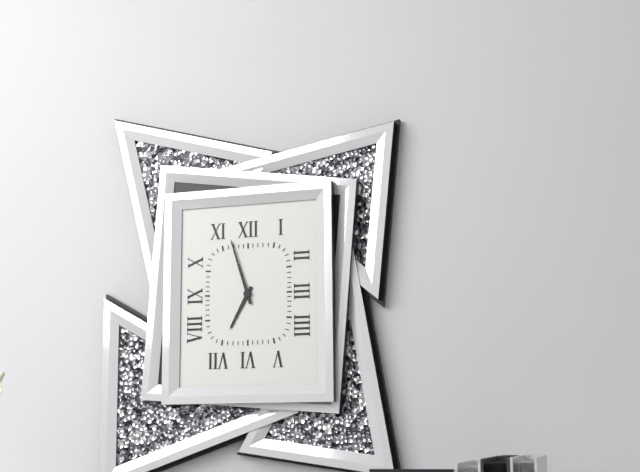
6:57
